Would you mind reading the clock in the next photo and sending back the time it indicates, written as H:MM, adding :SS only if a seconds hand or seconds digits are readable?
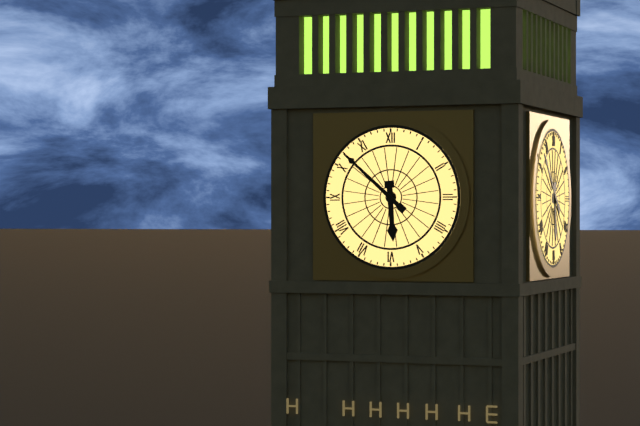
5:52
